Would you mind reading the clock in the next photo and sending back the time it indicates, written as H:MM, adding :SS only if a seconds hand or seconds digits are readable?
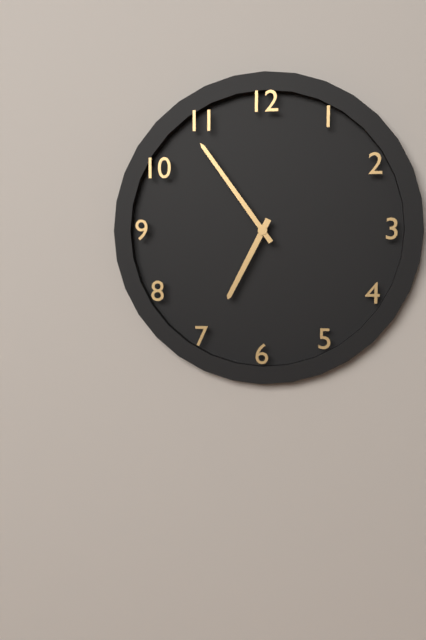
6:54
